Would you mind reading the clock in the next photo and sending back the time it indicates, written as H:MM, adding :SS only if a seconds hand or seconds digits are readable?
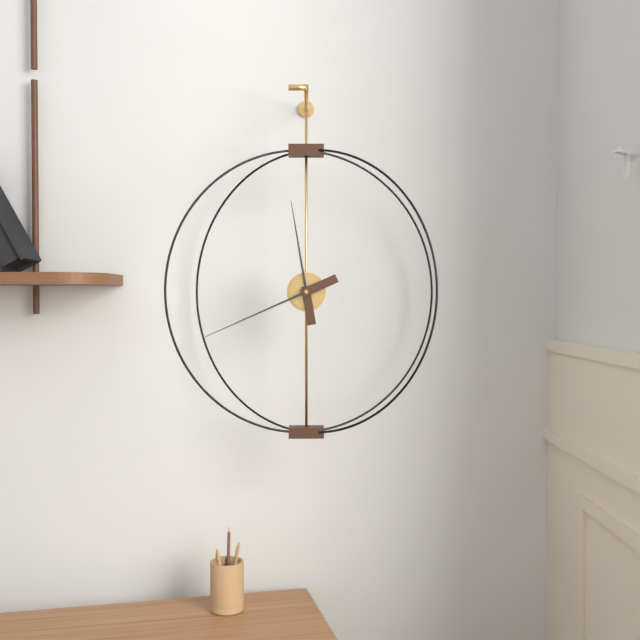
11:41
